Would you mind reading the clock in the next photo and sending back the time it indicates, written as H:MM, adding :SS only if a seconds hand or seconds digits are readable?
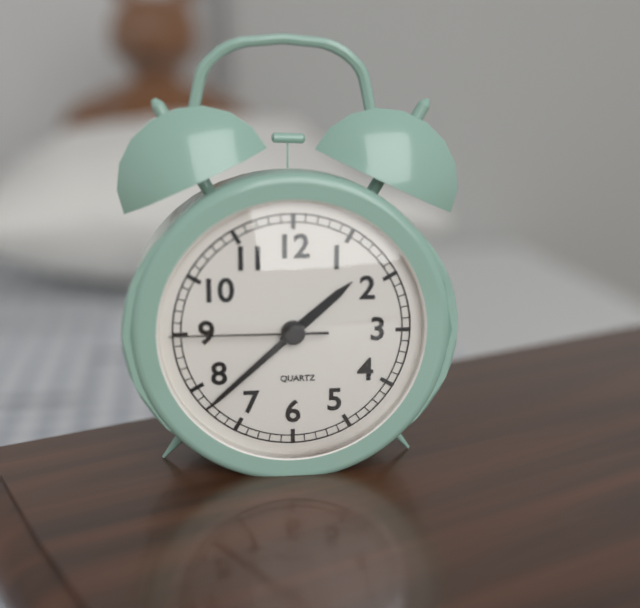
1:38:45
